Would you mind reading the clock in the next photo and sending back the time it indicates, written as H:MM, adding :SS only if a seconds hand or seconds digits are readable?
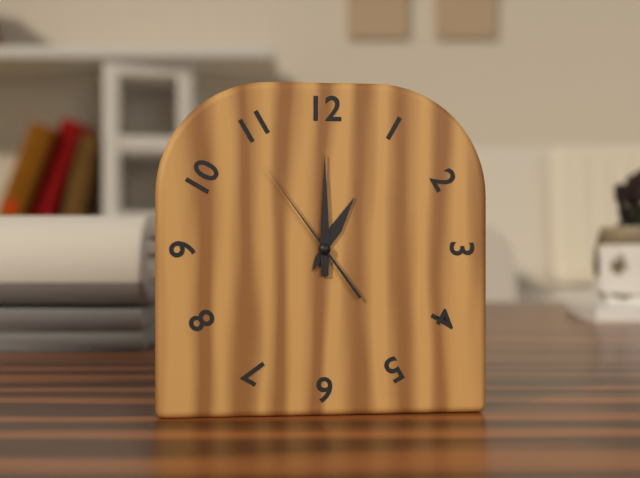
1:00:54
